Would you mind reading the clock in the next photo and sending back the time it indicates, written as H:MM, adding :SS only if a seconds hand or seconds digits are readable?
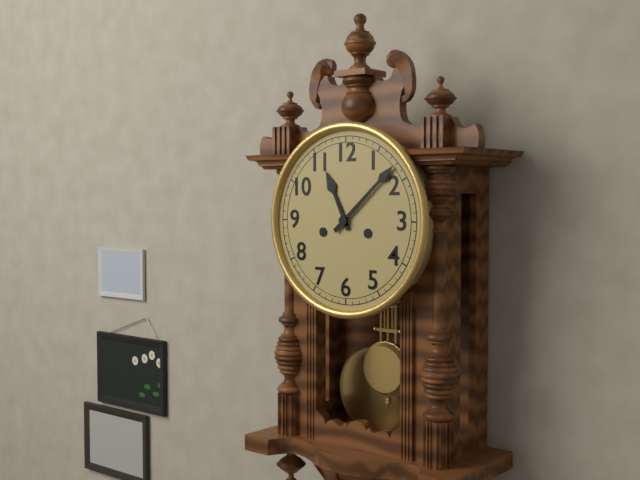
11:08
